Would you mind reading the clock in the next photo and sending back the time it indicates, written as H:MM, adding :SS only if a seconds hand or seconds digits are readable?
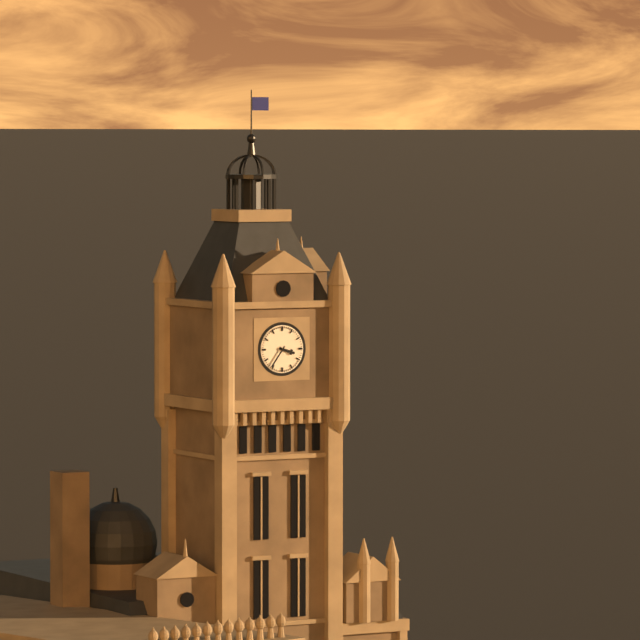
3:36
